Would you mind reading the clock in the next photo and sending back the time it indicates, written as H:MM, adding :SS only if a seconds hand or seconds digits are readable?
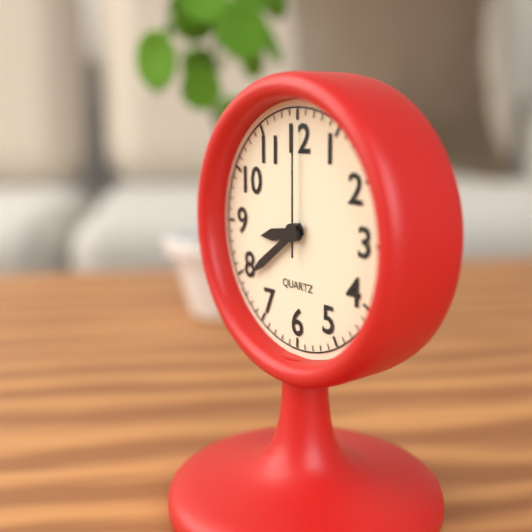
8:39:00
